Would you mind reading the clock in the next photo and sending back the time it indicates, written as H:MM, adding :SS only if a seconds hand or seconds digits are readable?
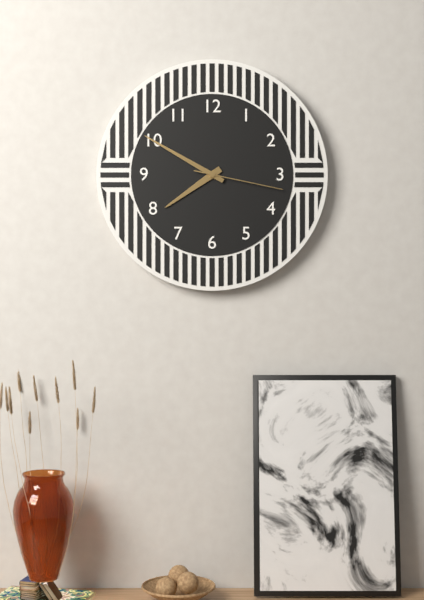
7:50:17
